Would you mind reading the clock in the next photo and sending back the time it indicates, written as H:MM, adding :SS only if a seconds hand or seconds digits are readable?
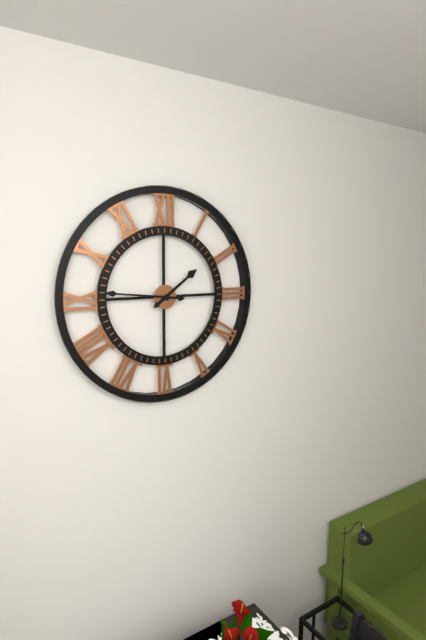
1:46
